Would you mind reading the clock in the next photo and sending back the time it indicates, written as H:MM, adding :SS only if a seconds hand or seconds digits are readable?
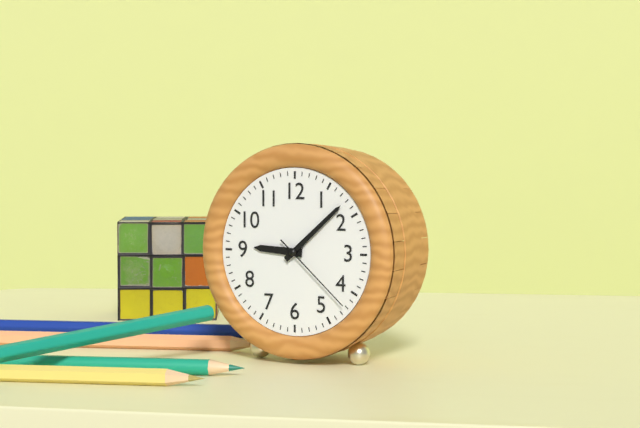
9:08:22
